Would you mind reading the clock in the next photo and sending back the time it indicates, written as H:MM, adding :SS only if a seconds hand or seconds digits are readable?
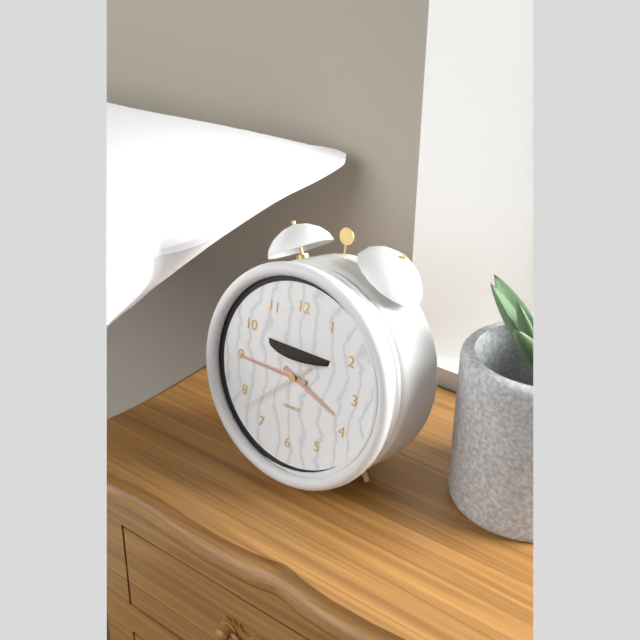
3:45:38
